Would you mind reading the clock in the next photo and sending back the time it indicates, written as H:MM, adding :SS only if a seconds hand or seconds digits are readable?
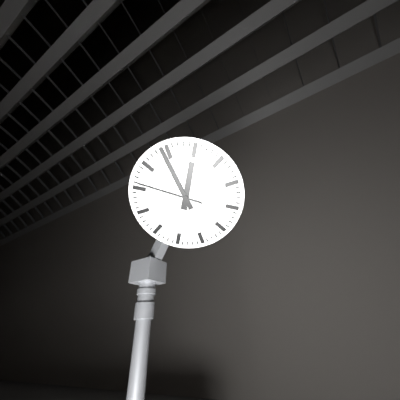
12:59:51
